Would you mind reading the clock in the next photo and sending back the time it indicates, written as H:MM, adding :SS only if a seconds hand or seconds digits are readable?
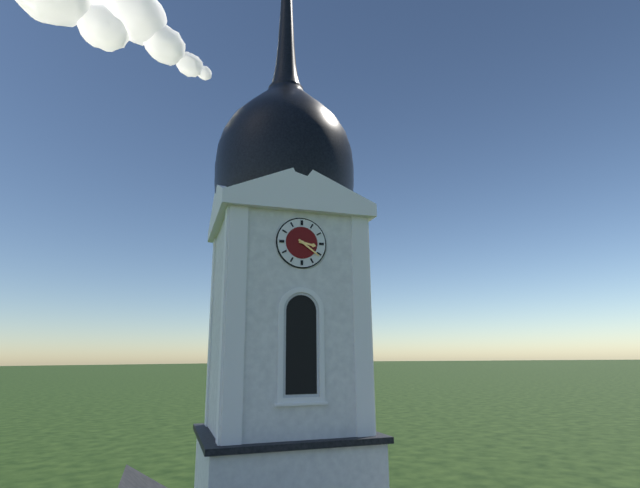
3:21
